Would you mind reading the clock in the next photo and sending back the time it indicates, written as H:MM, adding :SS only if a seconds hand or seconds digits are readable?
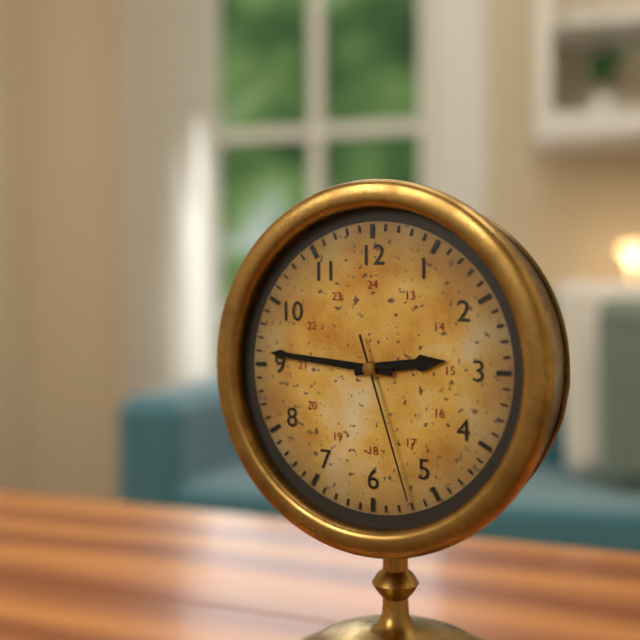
2:46:27
